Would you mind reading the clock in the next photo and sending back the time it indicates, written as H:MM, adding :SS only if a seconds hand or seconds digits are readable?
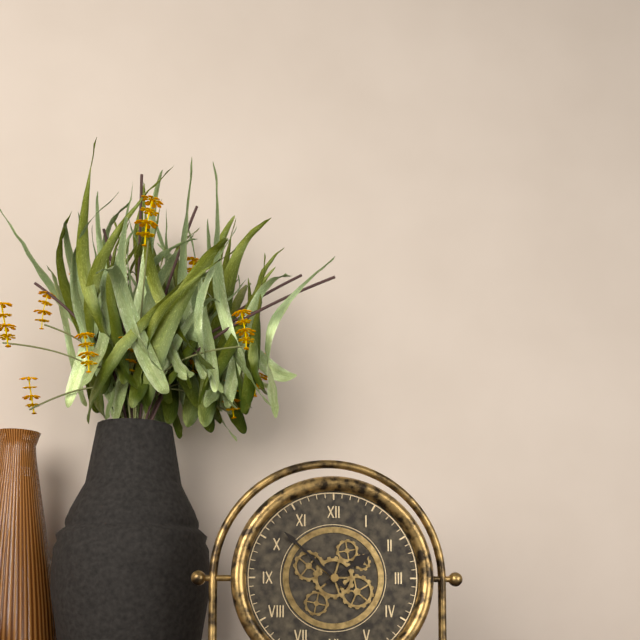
1:52
